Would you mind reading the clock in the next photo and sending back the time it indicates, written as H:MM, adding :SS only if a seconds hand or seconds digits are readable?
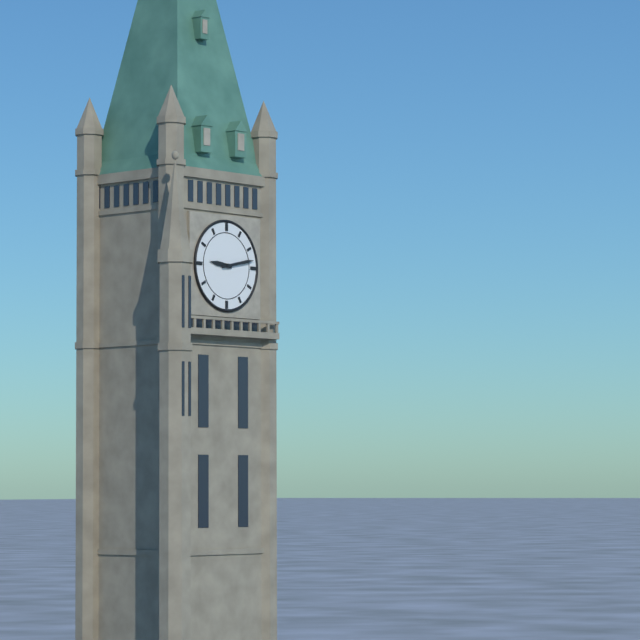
9:13
